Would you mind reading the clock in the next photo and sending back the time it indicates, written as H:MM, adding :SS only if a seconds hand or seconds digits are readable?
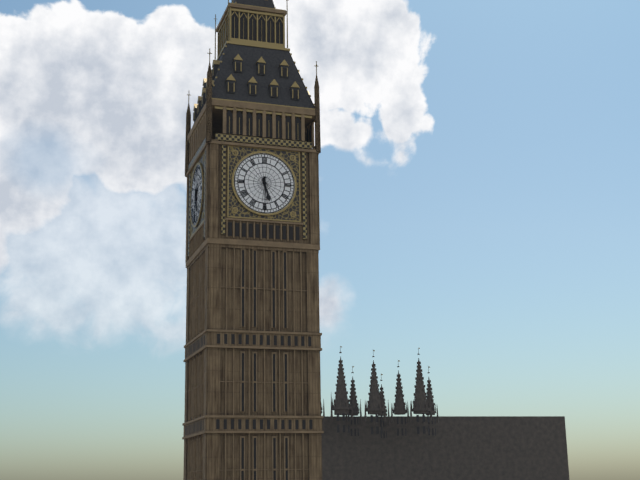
5:30
